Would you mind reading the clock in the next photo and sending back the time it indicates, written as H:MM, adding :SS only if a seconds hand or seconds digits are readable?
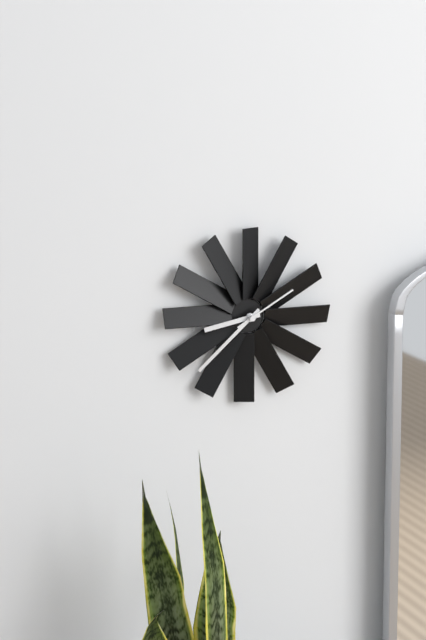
8:38:10
